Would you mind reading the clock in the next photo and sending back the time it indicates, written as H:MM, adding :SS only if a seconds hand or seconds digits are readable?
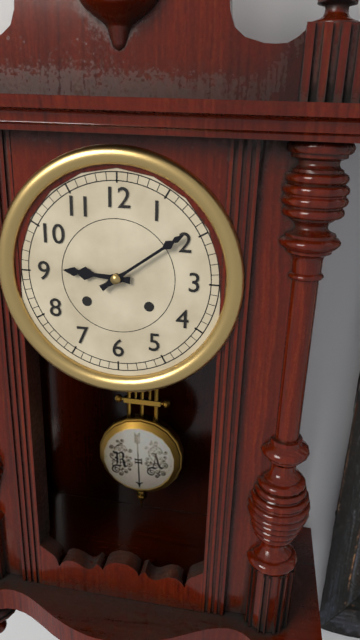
9:09
